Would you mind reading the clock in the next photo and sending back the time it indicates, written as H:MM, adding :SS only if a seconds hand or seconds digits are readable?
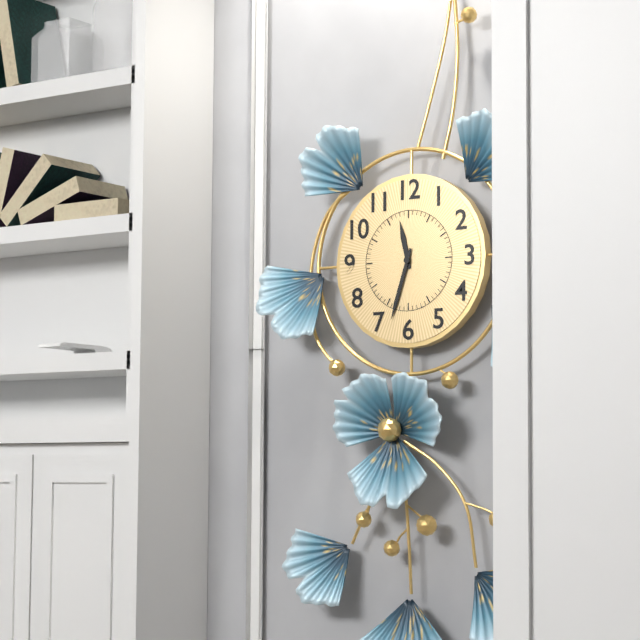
11:33
